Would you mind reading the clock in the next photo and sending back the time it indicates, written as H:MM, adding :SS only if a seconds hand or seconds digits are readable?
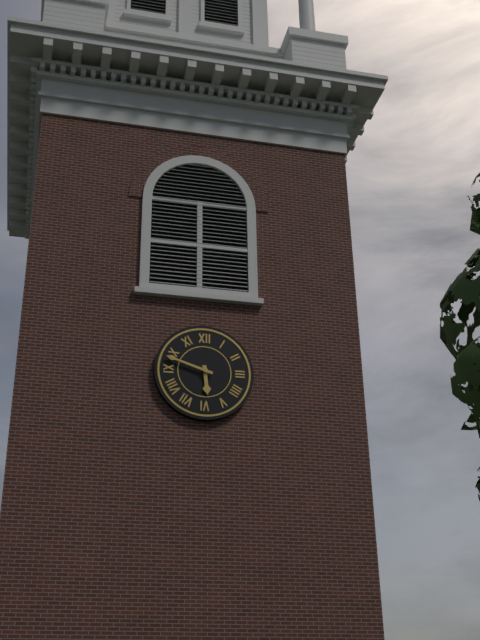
5:48
